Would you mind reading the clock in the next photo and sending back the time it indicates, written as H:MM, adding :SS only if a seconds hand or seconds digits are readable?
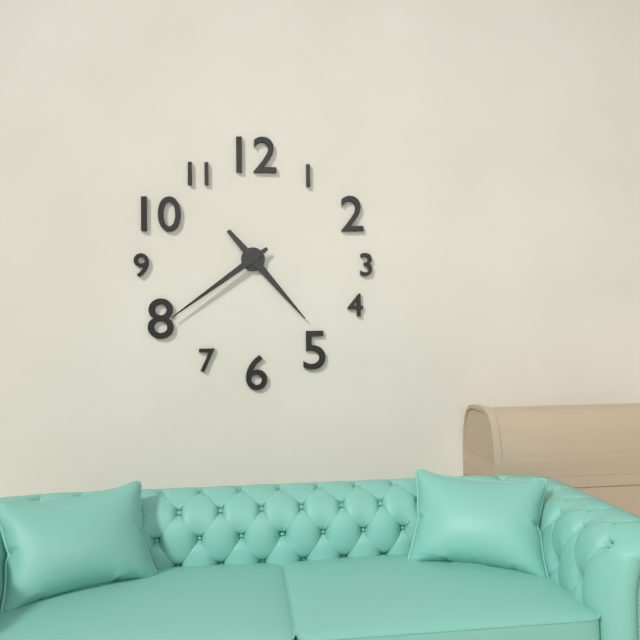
4:39
